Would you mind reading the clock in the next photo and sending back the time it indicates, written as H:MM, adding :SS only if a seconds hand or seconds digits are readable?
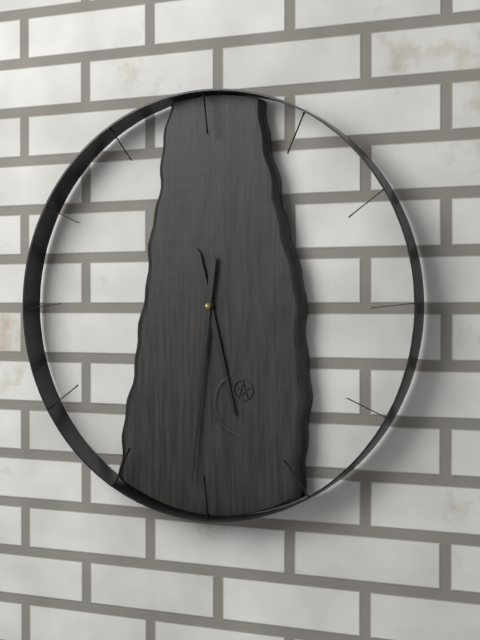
5:31
